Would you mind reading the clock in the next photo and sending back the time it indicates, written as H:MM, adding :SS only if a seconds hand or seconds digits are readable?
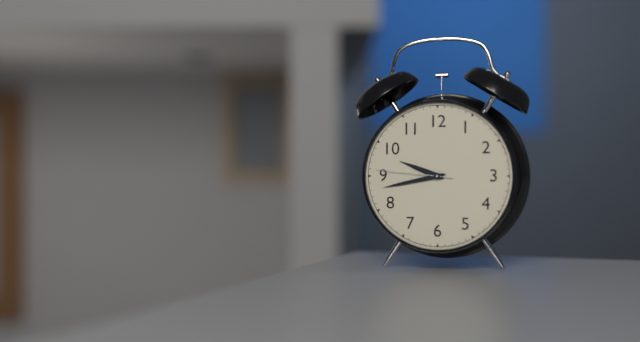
9:43:46
